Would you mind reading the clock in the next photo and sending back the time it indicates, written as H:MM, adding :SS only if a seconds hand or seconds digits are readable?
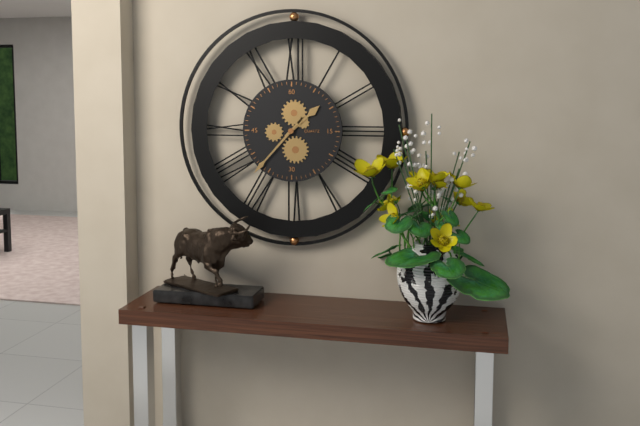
1:37
